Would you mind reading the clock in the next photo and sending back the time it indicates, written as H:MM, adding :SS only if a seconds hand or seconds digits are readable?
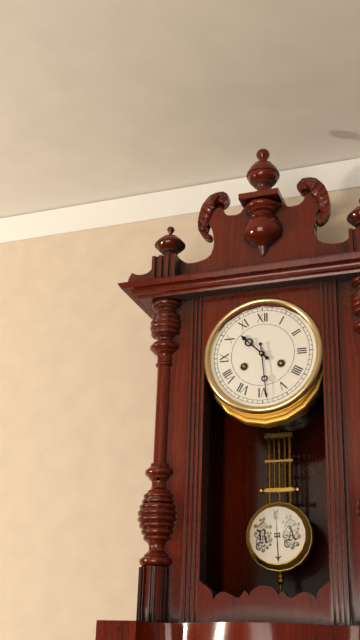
10:29
